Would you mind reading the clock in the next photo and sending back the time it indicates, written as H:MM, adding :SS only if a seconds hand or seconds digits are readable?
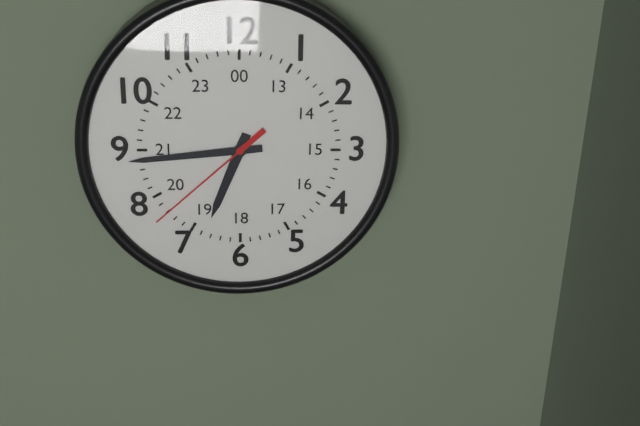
6:44:38
